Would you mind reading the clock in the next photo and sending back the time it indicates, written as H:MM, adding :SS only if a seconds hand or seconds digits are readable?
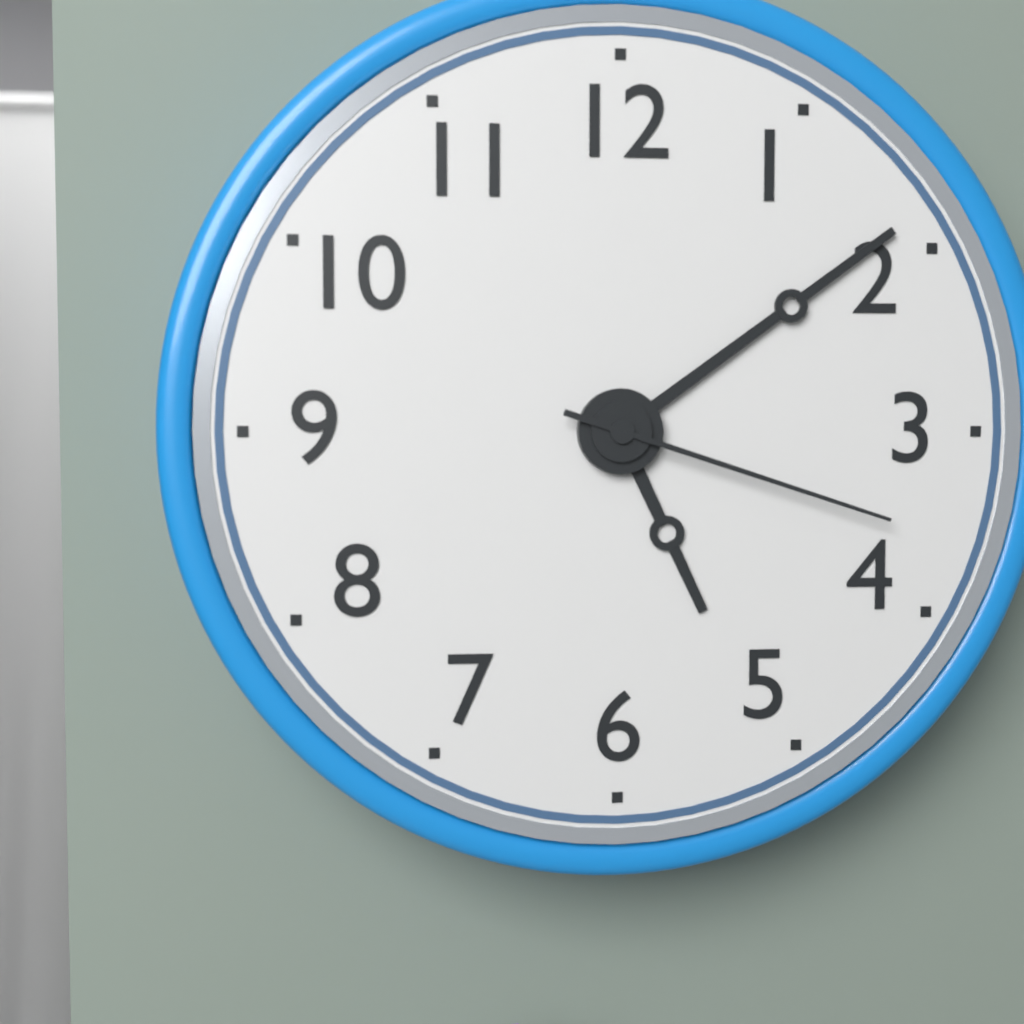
5:09:18
